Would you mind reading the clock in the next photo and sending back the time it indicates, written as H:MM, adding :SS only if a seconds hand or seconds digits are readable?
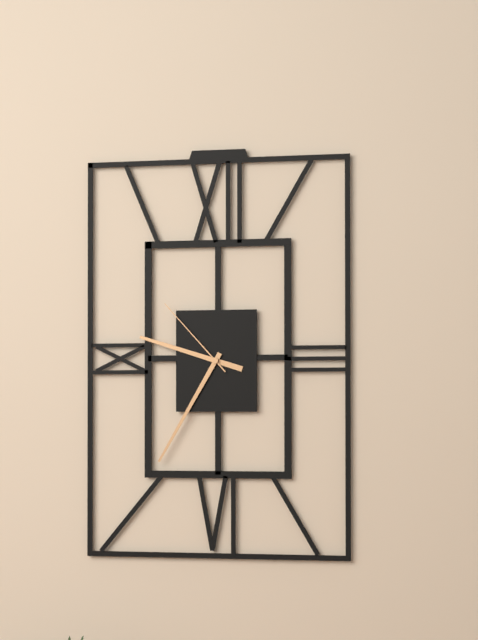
9:35:53
